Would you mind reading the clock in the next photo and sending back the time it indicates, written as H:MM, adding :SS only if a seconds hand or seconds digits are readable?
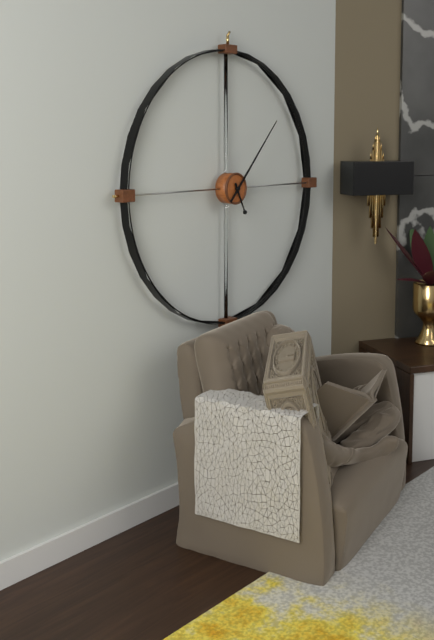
5:07
